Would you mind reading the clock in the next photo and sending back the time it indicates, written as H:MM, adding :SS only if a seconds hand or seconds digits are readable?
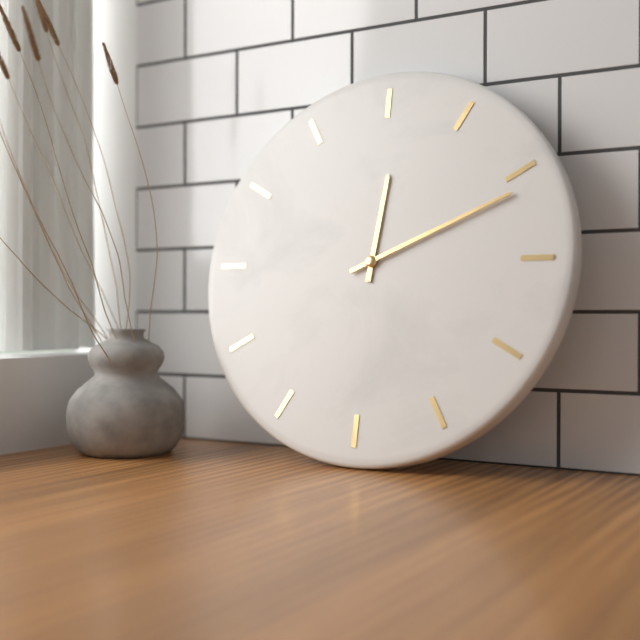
12:11
